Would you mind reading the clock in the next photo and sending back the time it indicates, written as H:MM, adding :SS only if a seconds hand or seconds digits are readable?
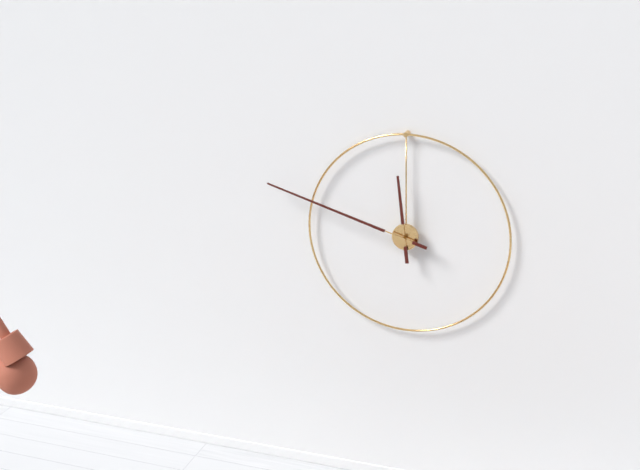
11:48
